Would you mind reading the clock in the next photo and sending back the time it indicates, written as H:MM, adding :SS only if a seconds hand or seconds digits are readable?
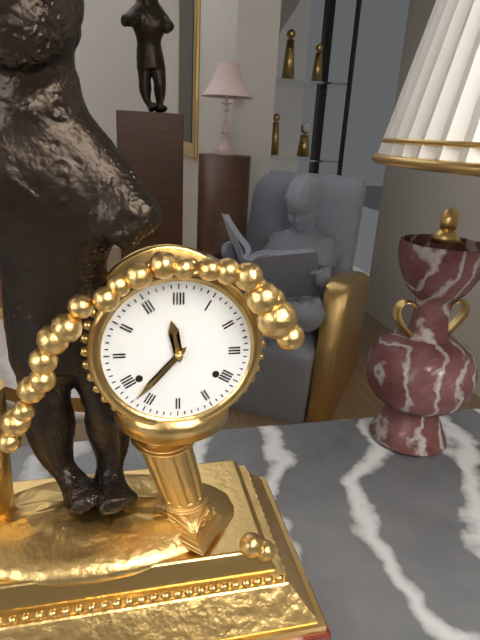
11:37
